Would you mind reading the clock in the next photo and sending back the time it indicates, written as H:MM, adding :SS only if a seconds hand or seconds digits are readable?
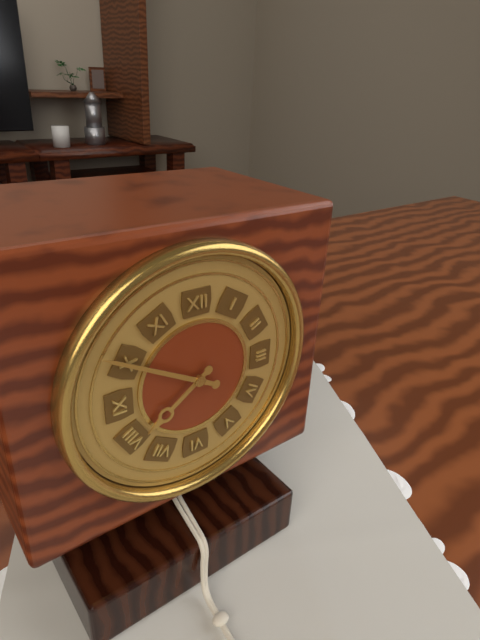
7:50
